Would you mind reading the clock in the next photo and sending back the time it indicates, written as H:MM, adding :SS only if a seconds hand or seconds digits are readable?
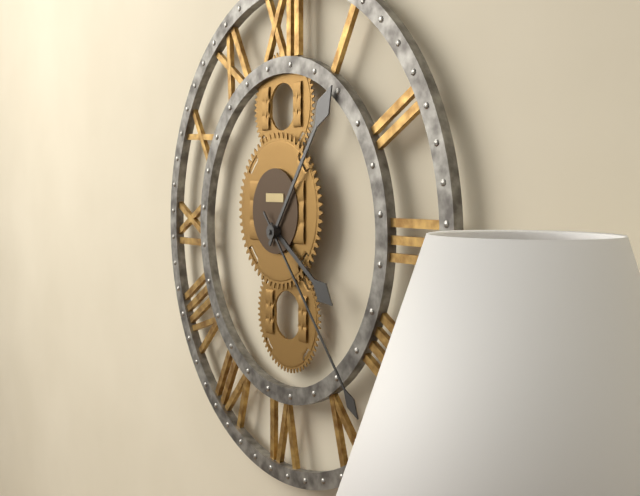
4:06:23
